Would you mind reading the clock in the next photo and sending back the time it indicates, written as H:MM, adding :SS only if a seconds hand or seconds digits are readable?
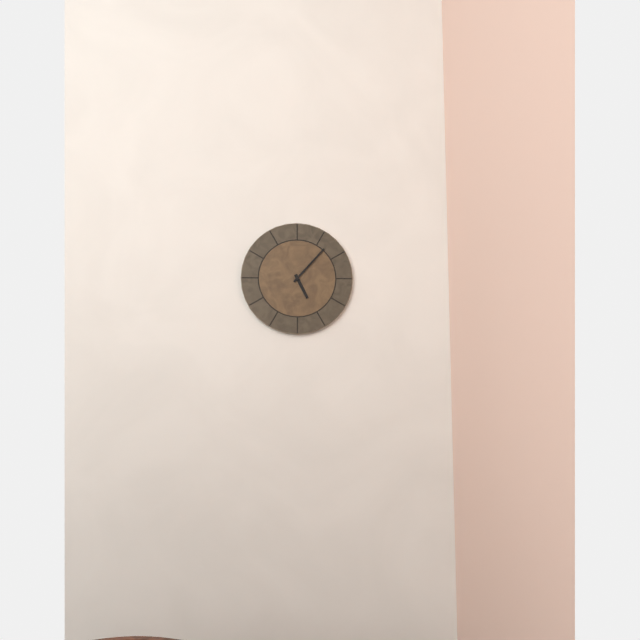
5:07
